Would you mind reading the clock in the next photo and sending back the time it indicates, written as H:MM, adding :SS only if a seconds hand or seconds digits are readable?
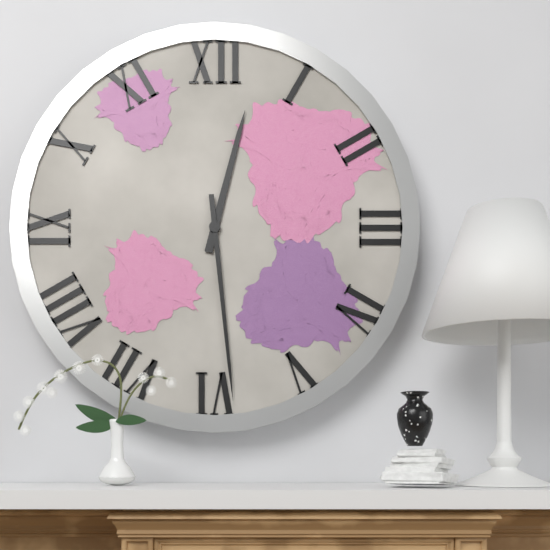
12:29
